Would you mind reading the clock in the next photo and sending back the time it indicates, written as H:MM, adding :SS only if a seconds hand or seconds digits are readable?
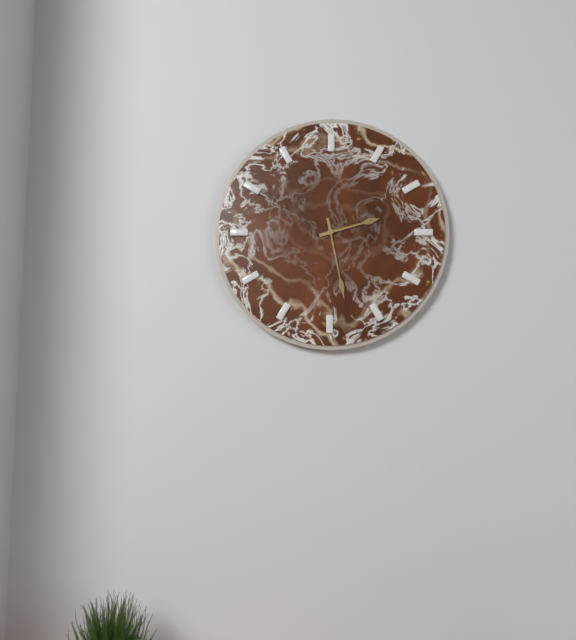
2:28
